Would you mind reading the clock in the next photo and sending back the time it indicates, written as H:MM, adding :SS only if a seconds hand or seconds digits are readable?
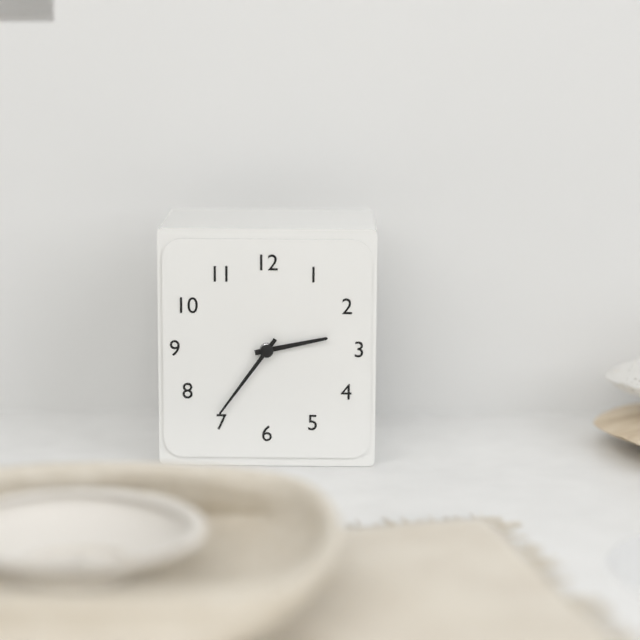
2:36
